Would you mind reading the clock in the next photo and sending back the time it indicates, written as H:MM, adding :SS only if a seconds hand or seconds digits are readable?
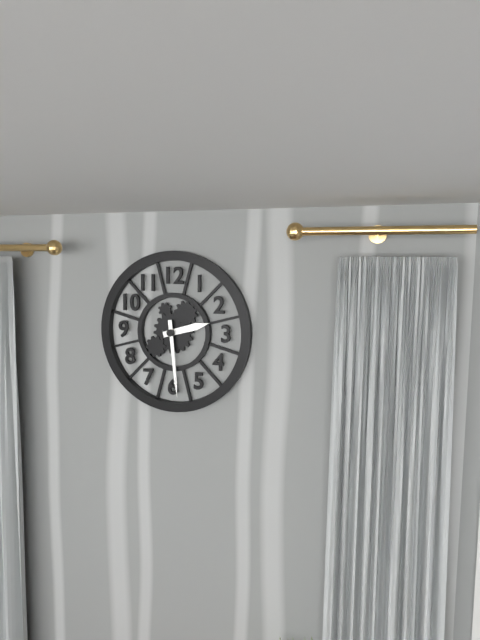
2:29
